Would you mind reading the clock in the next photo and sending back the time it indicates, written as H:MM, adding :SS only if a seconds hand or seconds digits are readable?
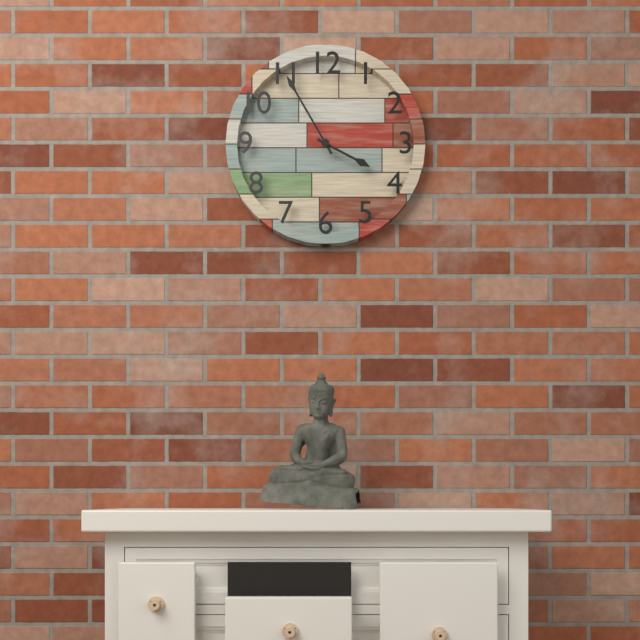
3:55
